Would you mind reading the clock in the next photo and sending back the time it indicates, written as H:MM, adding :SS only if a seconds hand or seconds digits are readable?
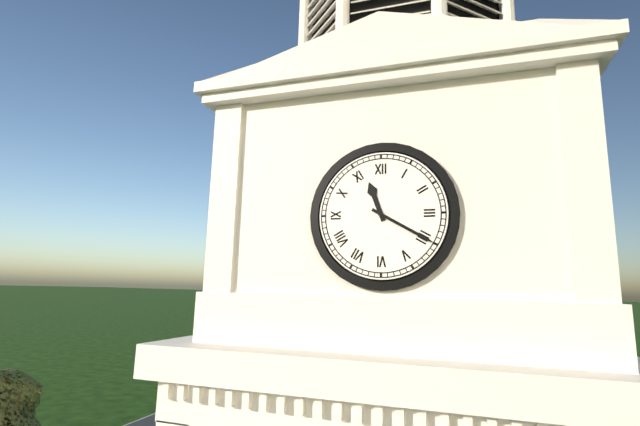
11:20
